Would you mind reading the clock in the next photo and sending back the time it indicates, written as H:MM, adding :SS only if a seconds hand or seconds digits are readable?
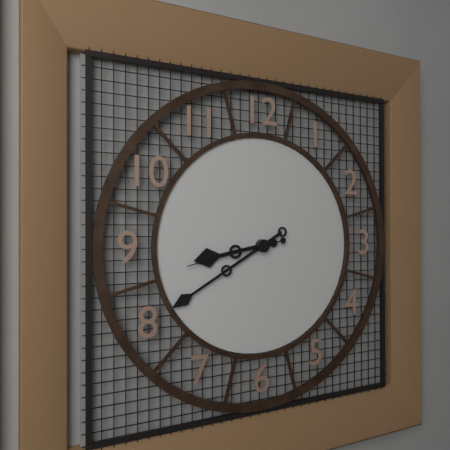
8:40:43
